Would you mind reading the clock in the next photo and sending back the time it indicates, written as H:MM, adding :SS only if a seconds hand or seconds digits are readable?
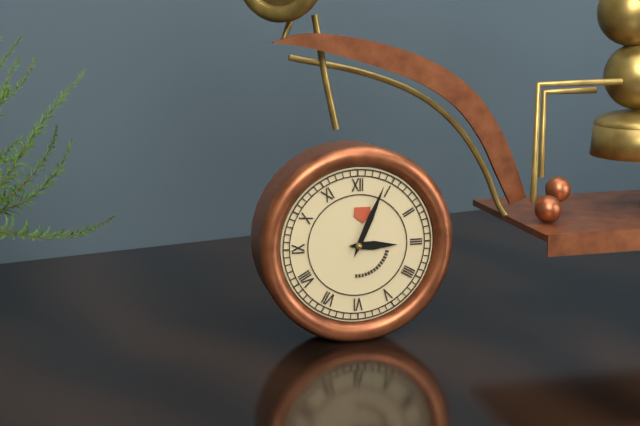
3:04
